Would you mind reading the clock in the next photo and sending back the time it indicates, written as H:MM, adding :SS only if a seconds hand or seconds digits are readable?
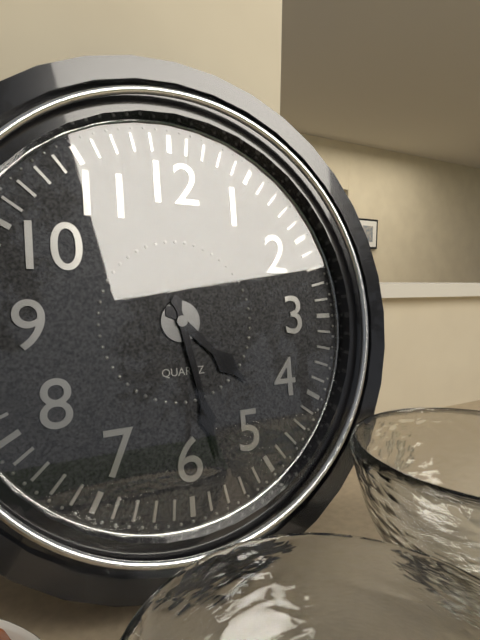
4:28
